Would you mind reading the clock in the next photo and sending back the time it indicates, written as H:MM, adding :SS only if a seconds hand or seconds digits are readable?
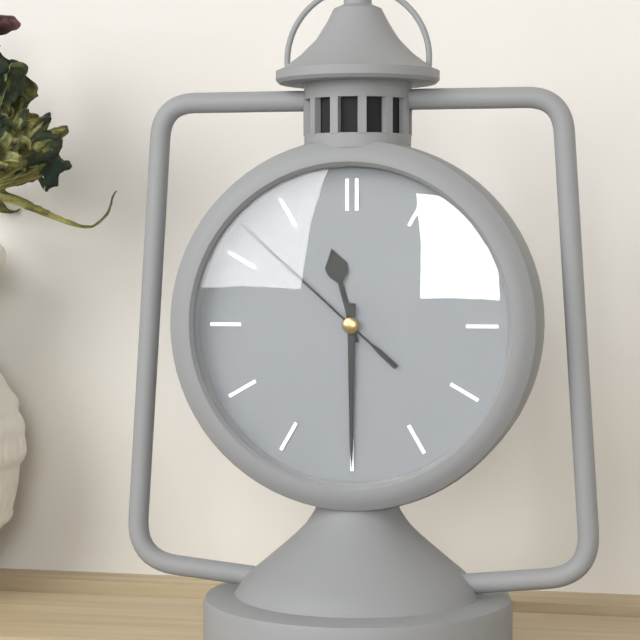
11:30:52
